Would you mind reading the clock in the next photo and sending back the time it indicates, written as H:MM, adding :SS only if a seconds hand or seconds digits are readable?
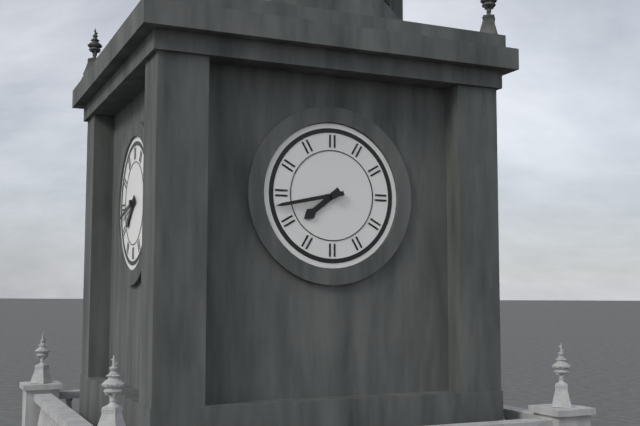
7:43
